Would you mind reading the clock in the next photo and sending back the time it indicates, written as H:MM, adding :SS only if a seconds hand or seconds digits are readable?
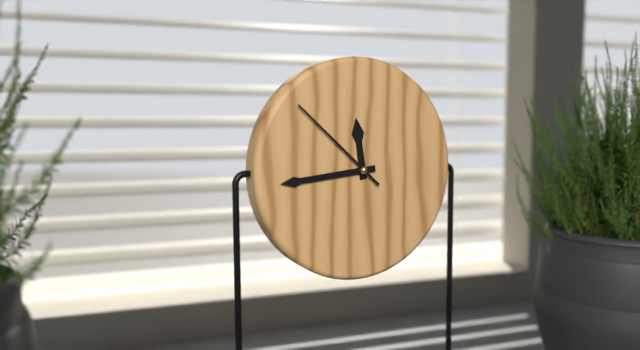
11:44:52
